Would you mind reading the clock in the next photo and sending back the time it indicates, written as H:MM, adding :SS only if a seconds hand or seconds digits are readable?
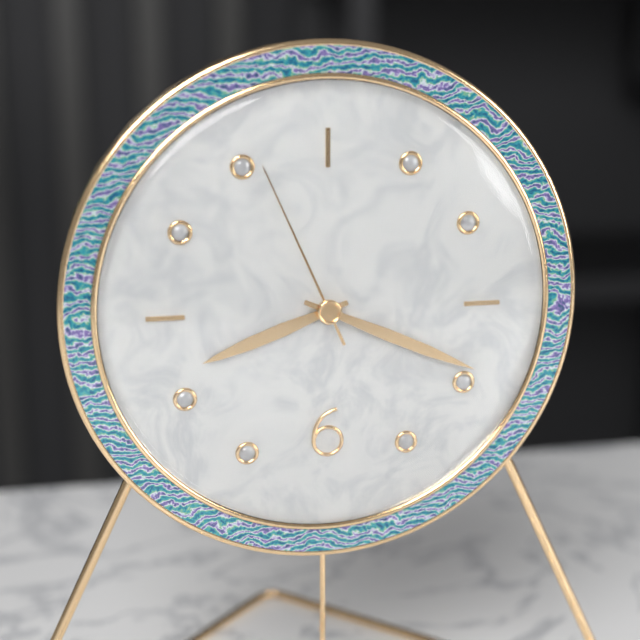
8:19:56
